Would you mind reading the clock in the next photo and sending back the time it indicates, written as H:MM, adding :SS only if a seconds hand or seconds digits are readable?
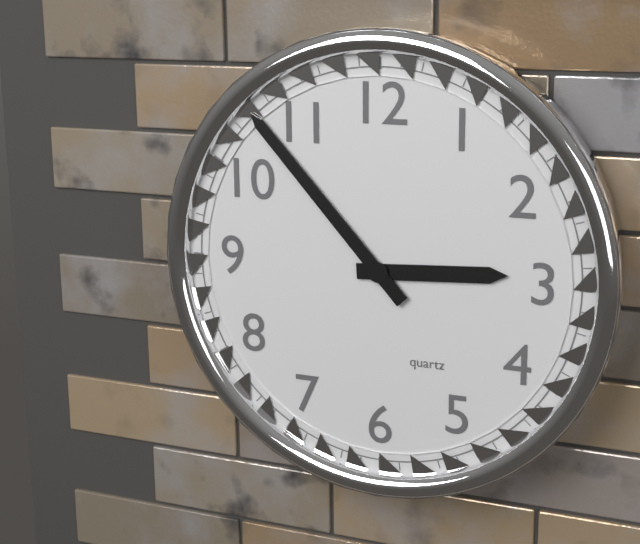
2:53
